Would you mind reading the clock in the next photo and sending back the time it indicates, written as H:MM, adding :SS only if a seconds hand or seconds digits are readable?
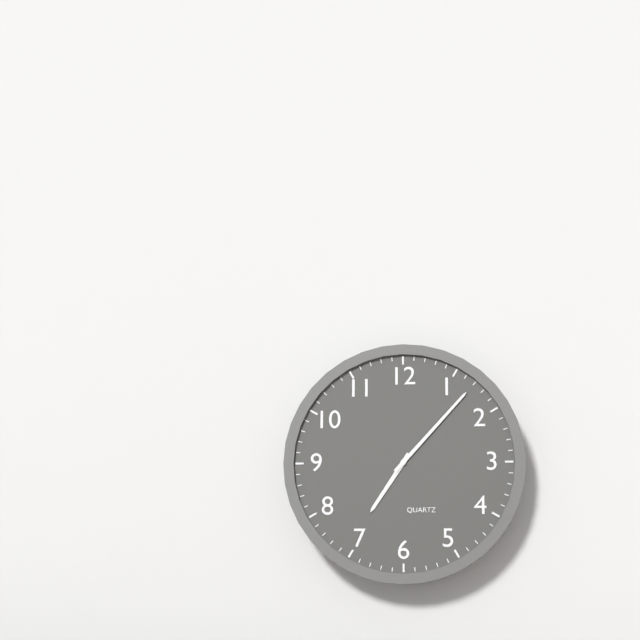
7:07
